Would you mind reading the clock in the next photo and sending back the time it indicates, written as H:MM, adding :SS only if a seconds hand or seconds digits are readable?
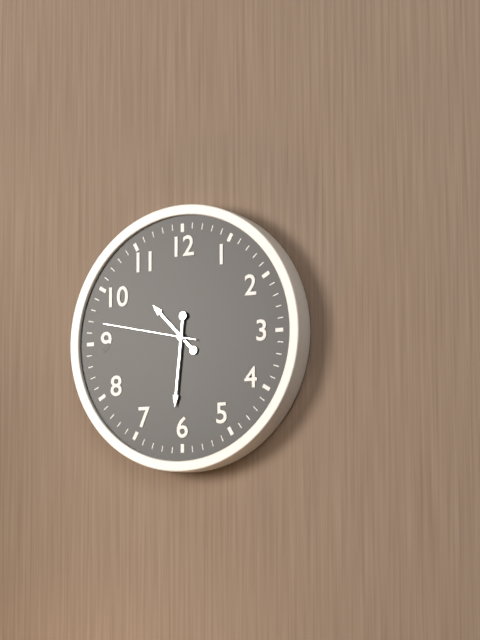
10:31:47
